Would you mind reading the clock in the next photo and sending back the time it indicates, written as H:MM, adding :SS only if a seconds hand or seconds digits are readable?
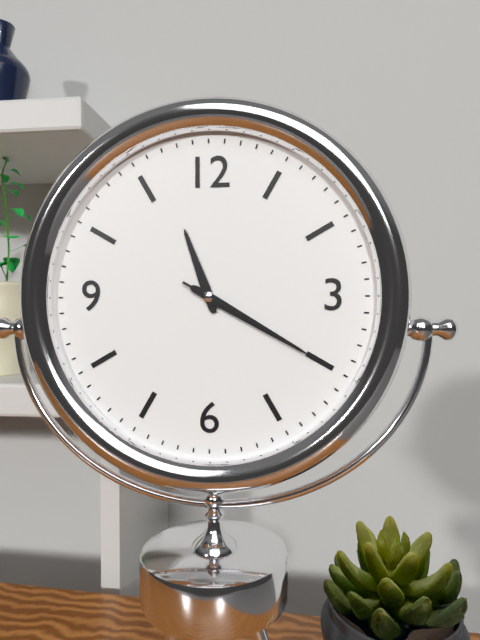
11:20:20
